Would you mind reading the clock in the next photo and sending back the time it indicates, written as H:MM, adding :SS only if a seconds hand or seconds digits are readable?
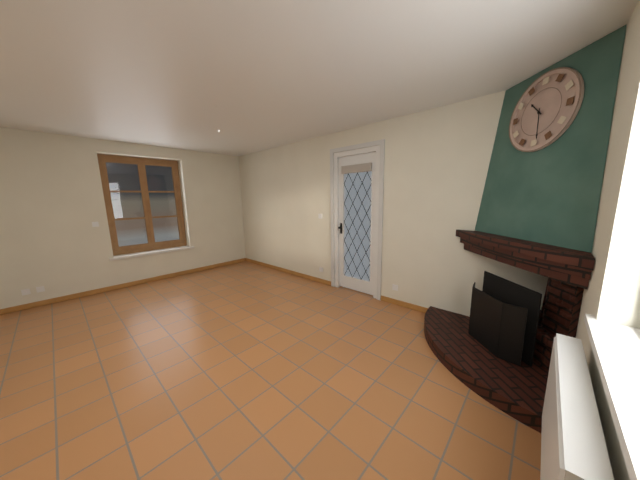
10:29
